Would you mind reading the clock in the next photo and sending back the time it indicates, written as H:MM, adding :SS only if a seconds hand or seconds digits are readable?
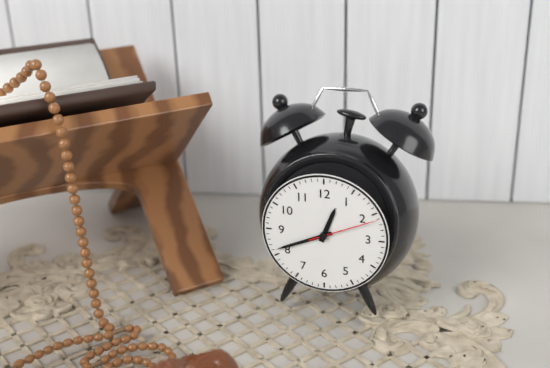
12:41:11
